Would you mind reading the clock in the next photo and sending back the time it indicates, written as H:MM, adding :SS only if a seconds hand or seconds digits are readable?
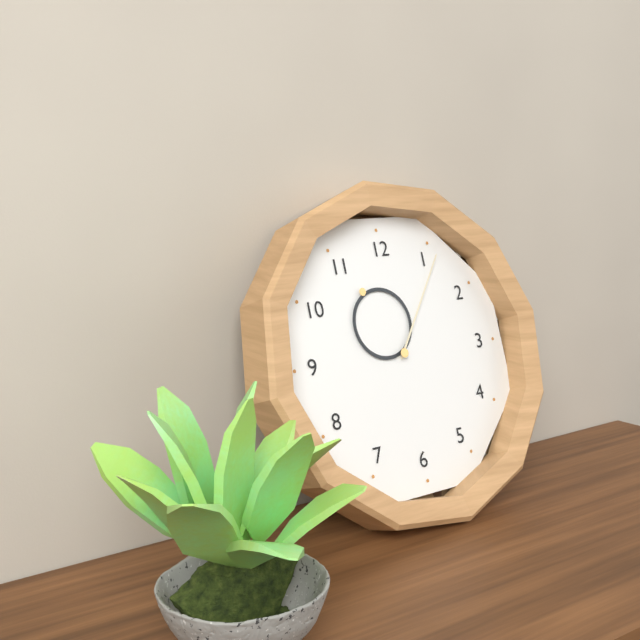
11:06
